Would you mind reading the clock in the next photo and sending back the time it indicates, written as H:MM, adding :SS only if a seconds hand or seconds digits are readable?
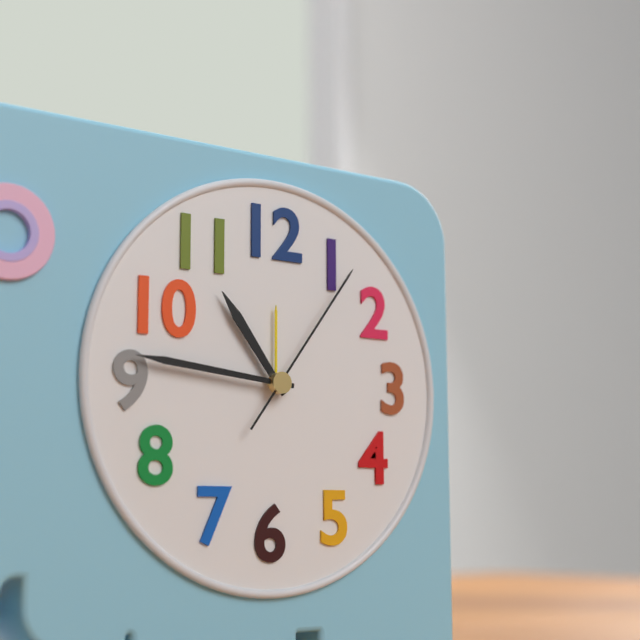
10:46:06
